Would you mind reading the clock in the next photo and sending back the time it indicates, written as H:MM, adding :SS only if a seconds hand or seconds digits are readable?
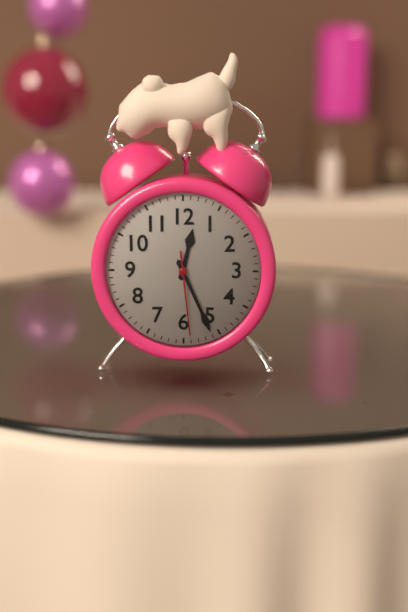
12:26:29
